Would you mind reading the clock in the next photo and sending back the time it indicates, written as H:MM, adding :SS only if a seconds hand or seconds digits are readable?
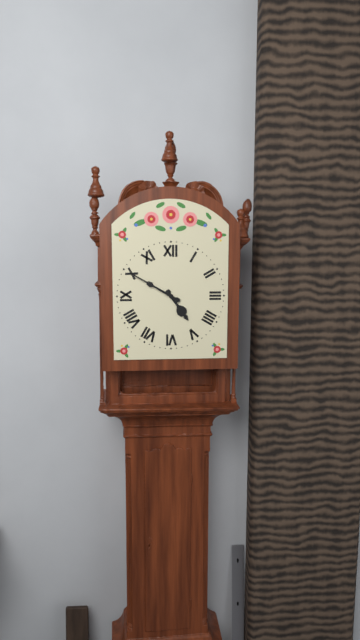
4:50
